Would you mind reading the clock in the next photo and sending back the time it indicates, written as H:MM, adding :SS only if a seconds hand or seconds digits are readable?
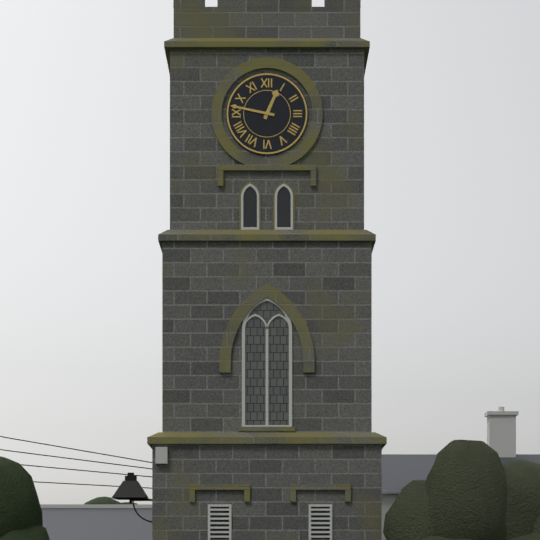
12:47
